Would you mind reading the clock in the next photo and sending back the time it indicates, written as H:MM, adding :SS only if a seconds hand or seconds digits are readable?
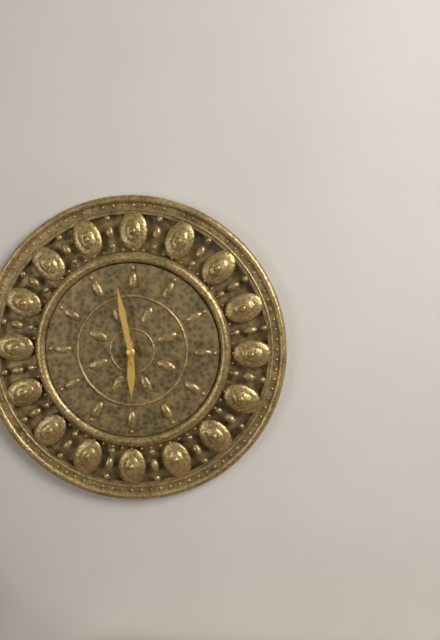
5:58
